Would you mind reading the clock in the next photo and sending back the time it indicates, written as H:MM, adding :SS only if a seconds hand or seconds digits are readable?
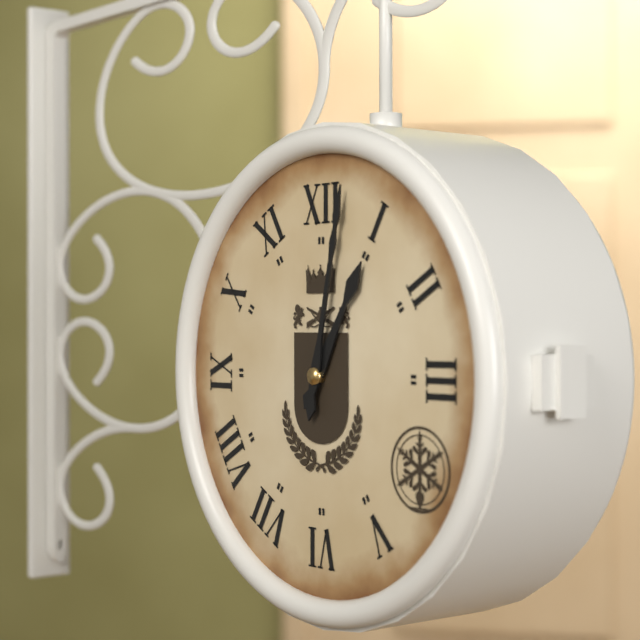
1:02
